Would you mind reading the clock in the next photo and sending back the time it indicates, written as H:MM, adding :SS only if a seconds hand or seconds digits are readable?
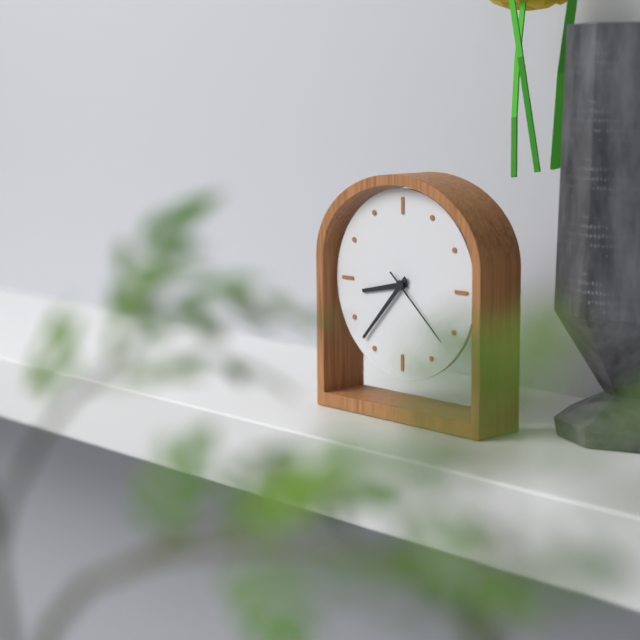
8:37:22
